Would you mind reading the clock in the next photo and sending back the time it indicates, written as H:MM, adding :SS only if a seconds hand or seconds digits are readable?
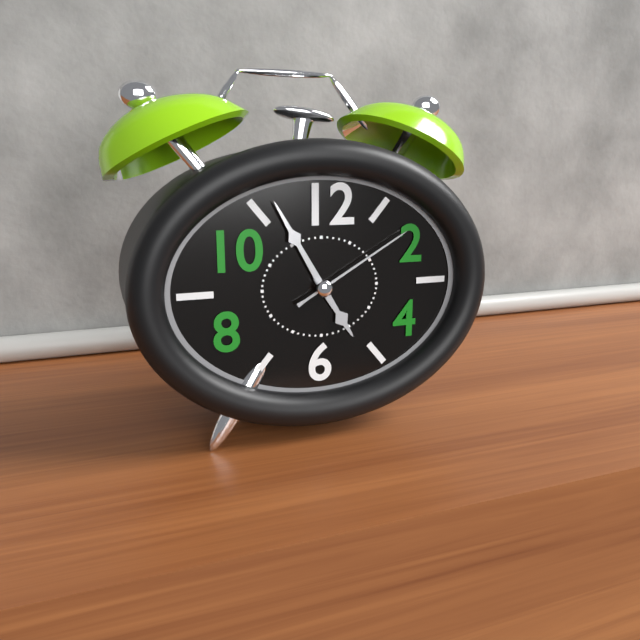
4:55:10
